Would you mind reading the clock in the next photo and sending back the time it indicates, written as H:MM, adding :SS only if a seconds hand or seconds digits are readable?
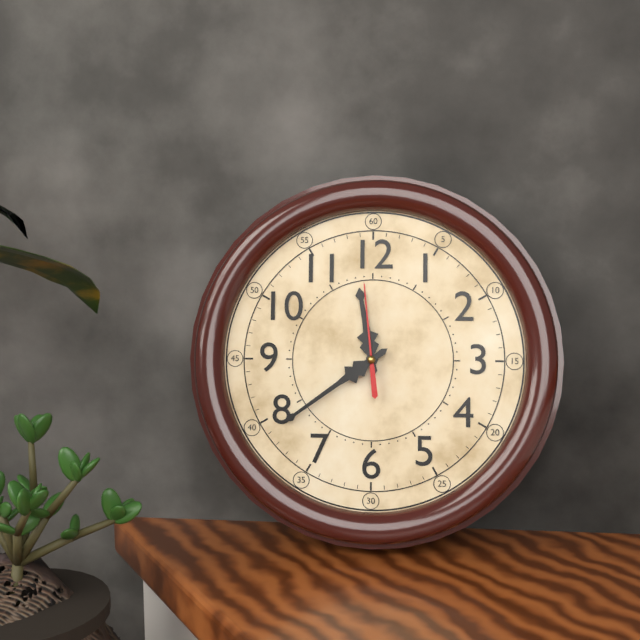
11:39:59
